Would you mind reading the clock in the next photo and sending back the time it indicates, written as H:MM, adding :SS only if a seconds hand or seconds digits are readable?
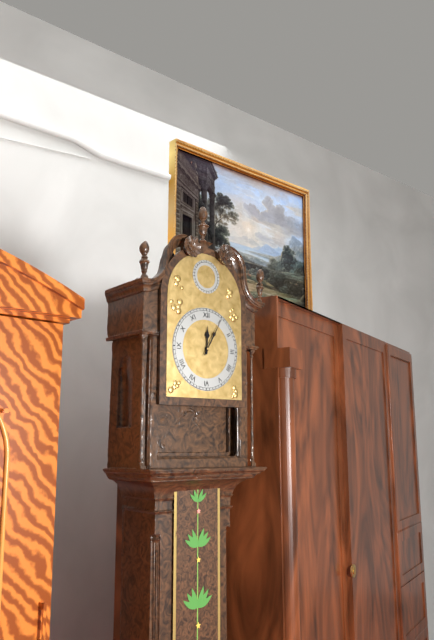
12:05
